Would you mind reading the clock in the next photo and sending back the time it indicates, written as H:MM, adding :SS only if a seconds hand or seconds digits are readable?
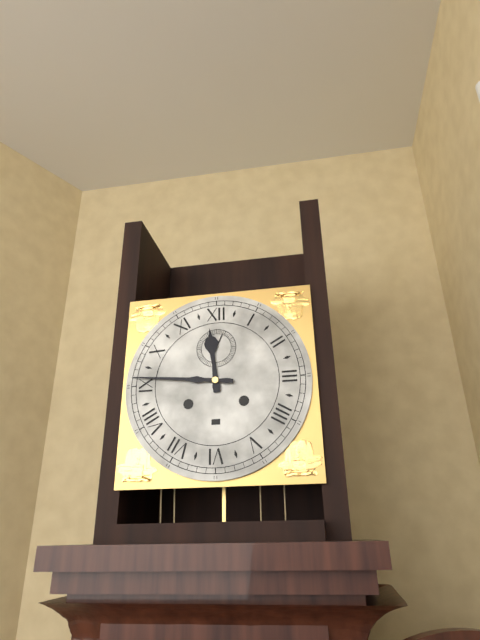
11:46
